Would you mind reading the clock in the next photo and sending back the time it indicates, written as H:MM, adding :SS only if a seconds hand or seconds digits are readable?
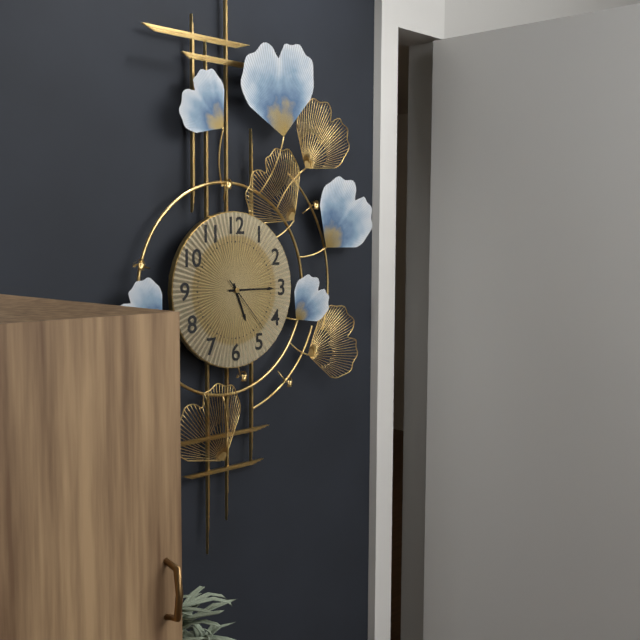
5:15:23
